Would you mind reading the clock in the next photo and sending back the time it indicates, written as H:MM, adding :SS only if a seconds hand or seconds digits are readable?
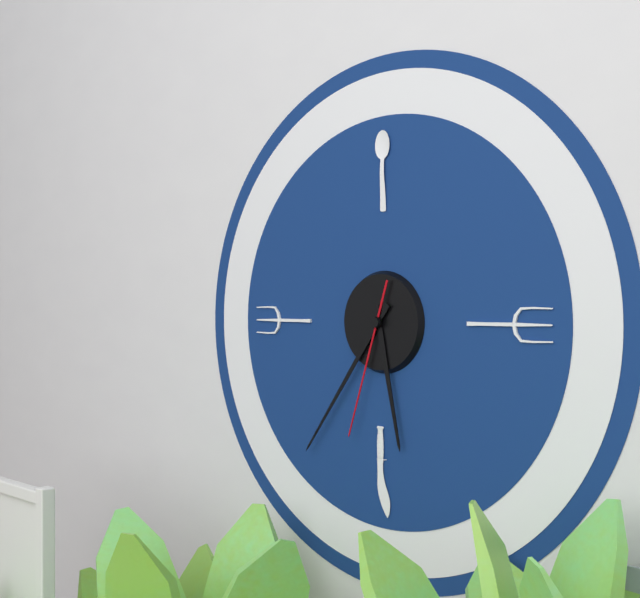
5:36:33
